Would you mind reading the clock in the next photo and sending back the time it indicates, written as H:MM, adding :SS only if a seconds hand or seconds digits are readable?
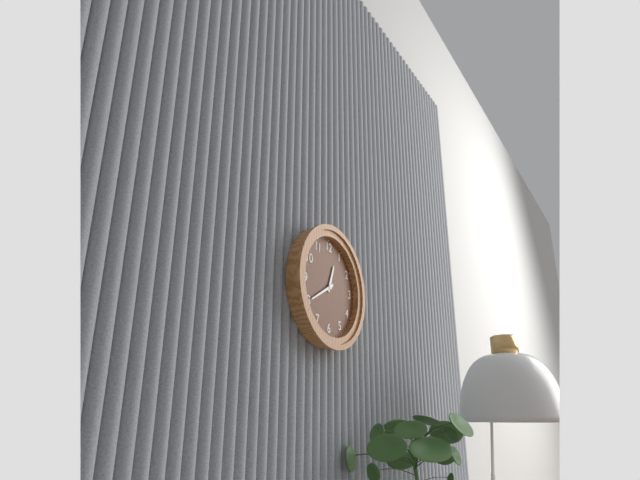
12:40
